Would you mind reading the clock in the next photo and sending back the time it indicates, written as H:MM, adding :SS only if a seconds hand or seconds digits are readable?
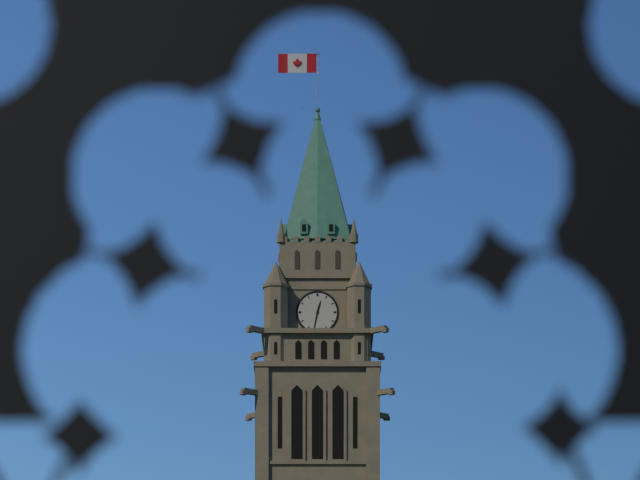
12:32
